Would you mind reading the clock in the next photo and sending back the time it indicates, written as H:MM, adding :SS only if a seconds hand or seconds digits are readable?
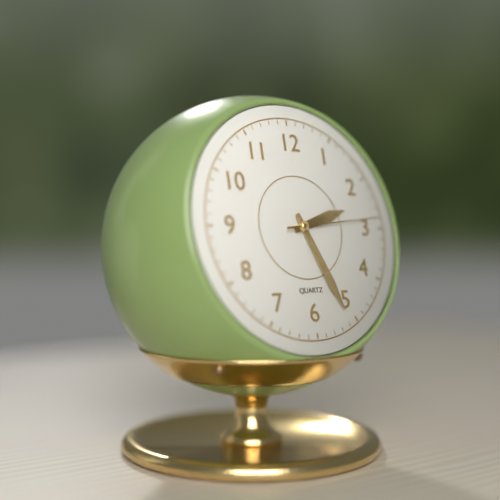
2:26:14
